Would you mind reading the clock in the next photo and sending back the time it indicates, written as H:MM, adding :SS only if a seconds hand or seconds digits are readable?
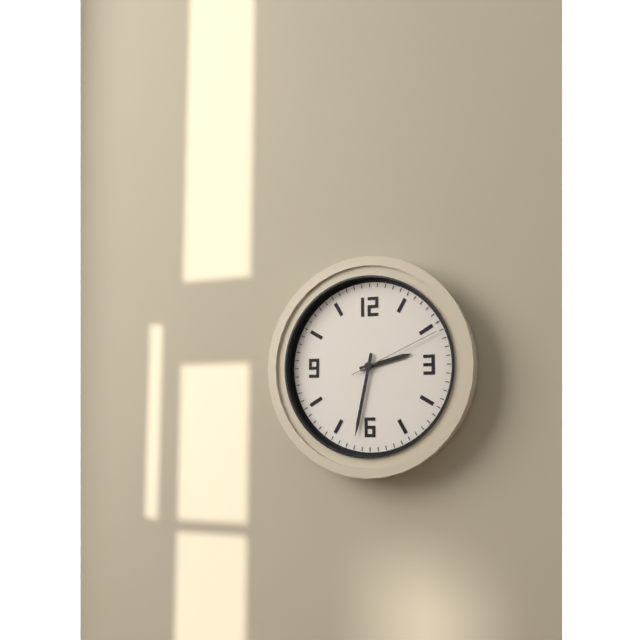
2:32:11
